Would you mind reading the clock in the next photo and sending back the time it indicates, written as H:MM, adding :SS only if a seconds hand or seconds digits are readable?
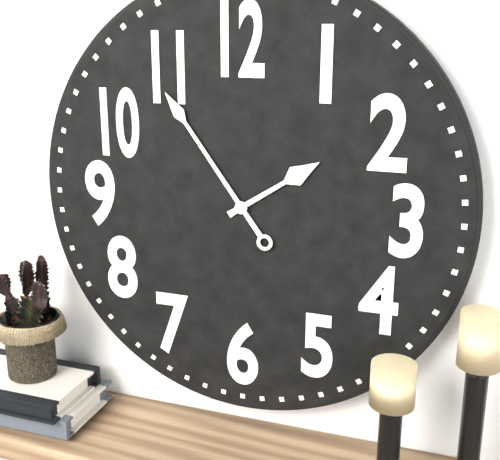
1:54
